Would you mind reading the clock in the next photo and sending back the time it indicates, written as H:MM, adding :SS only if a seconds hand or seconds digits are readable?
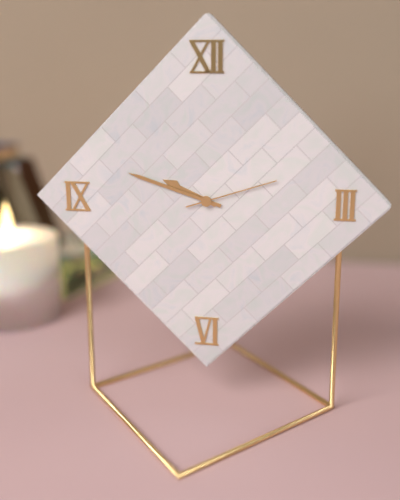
9:48:12
